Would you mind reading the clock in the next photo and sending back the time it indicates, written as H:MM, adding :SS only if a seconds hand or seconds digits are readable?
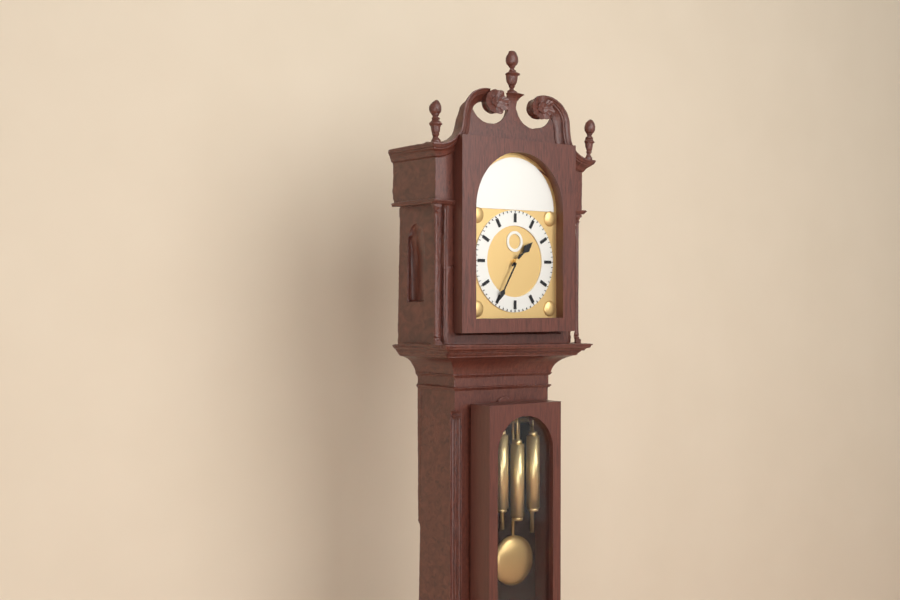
1:35
